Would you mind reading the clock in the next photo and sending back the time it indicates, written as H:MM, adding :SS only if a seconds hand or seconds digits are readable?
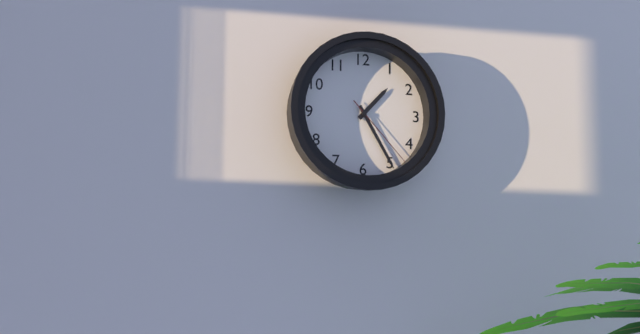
1:25:23
